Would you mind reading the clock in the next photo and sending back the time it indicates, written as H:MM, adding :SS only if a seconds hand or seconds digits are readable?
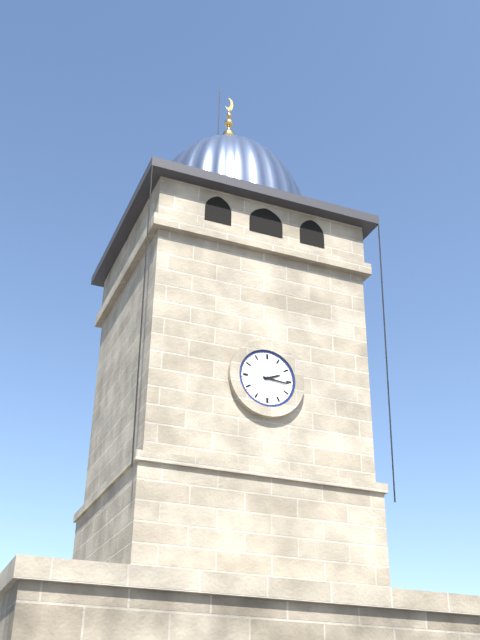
2:16
